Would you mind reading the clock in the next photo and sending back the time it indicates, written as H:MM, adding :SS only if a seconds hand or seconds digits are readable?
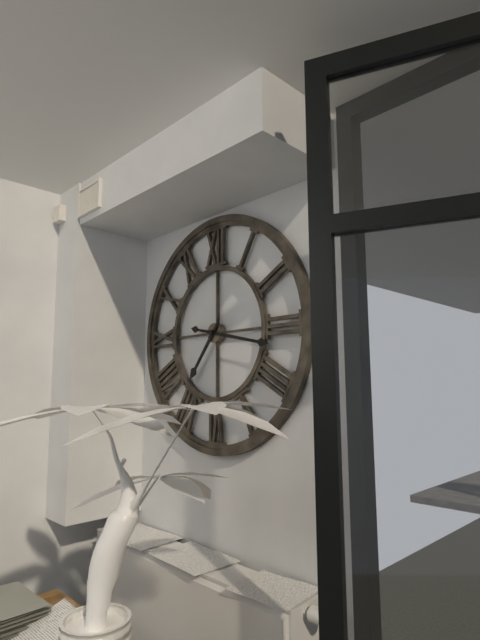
7:17
